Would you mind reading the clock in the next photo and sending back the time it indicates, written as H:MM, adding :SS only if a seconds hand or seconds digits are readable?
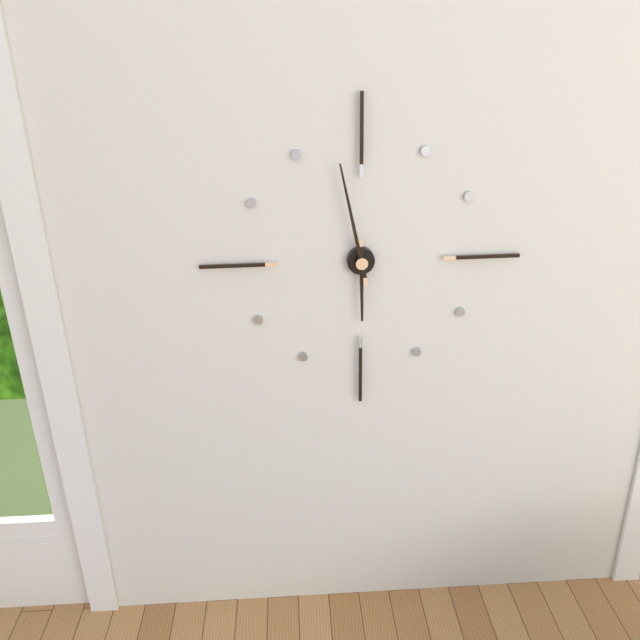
5:58
